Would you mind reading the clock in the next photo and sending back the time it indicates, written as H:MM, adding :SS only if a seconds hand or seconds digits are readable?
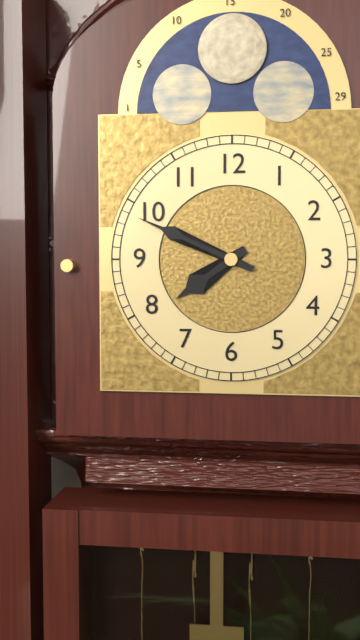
7:49
